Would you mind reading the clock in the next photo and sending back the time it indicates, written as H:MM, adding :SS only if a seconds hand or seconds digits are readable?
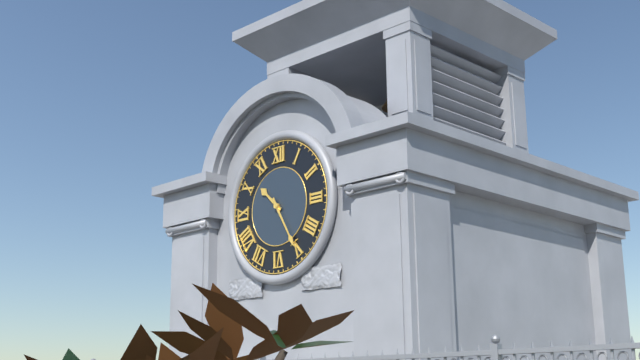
10:25
